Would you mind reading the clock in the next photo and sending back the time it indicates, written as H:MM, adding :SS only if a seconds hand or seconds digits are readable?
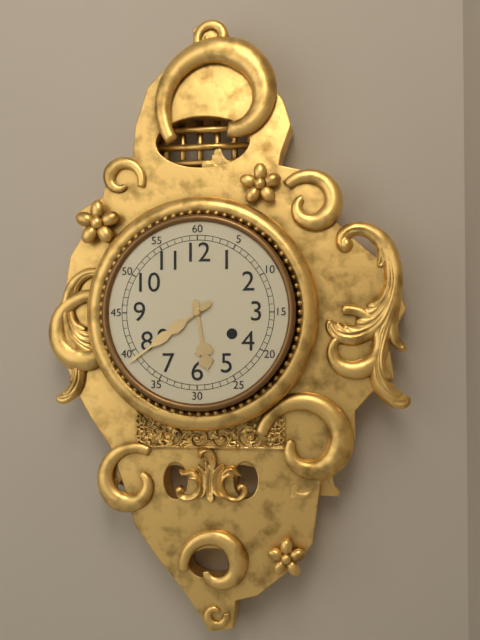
5:39
